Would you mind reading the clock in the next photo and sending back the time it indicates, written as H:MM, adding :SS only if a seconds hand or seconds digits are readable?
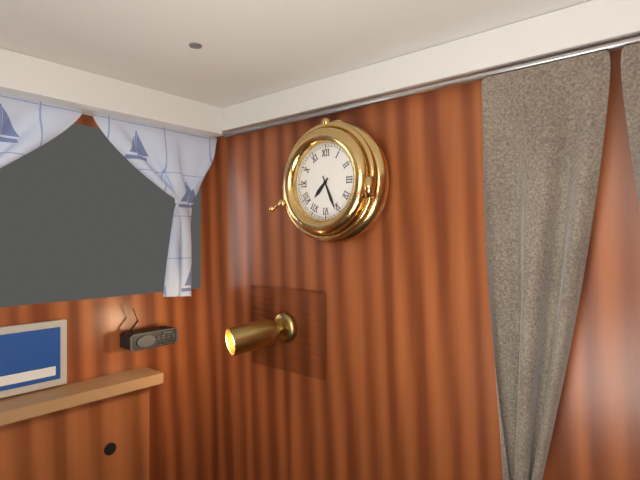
7:26
